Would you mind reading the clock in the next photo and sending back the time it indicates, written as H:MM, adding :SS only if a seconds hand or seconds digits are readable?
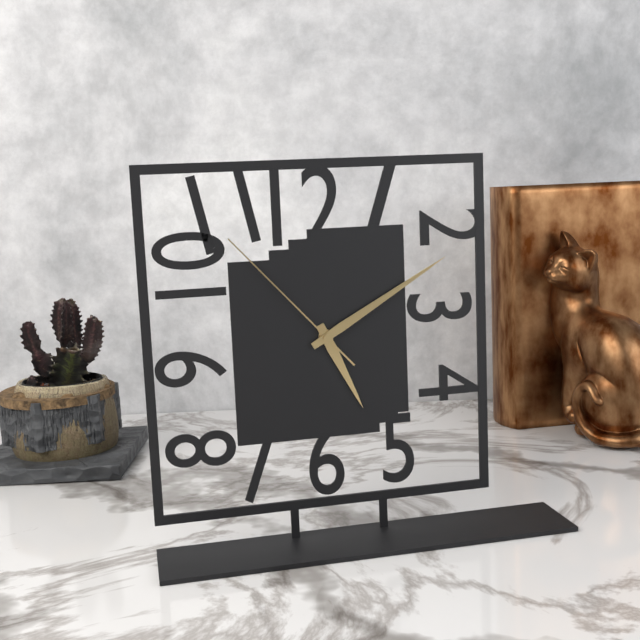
5:10:53
